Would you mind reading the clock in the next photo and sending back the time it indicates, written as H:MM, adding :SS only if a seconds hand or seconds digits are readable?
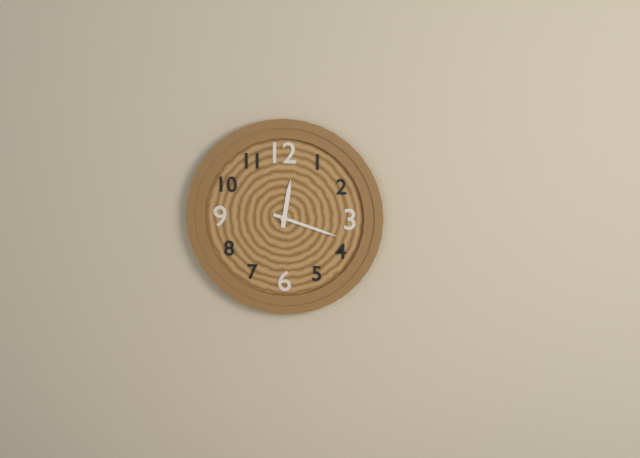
12:18
